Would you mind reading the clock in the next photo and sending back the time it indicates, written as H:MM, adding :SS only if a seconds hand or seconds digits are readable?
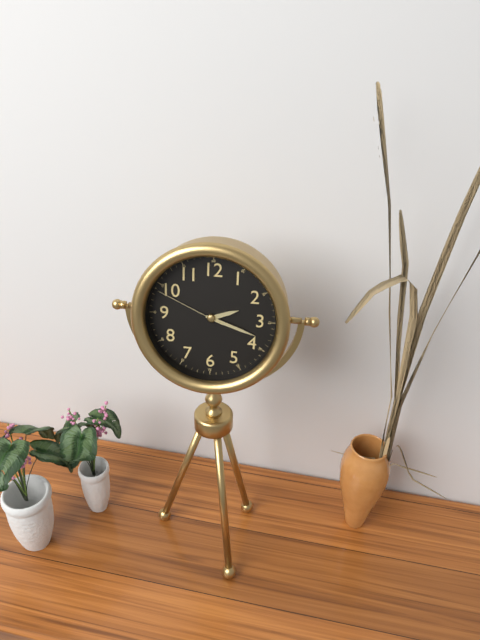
2:18:49
